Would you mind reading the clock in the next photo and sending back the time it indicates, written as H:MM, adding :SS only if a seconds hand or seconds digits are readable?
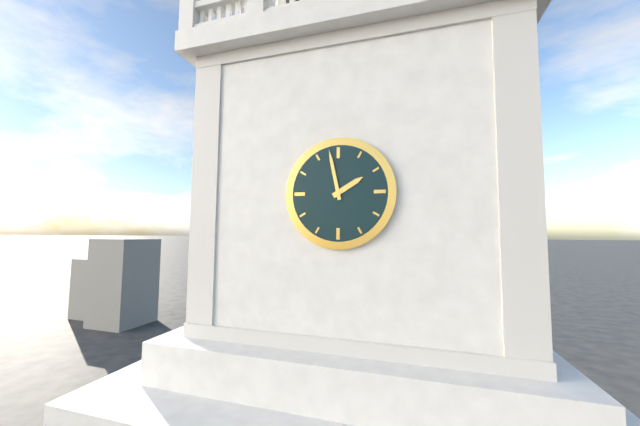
1:58
